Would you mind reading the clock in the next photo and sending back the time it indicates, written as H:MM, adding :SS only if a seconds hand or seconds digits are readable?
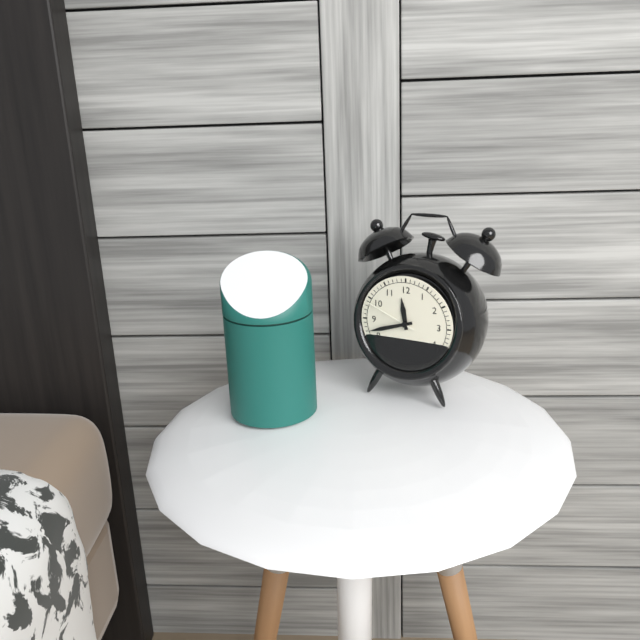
11:42:49
